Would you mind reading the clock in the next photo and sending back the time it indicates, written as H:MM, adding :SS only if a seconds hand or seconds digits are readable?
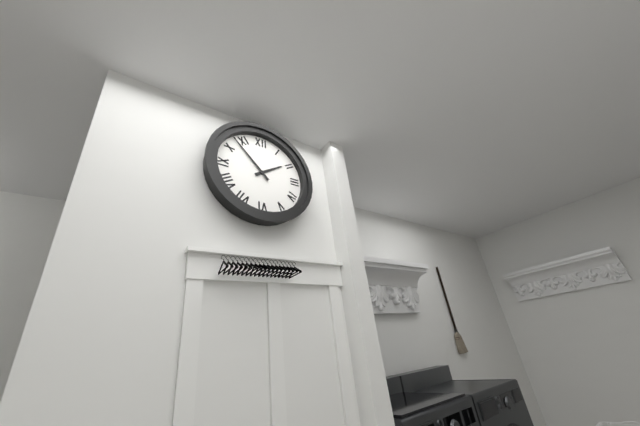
1:53
